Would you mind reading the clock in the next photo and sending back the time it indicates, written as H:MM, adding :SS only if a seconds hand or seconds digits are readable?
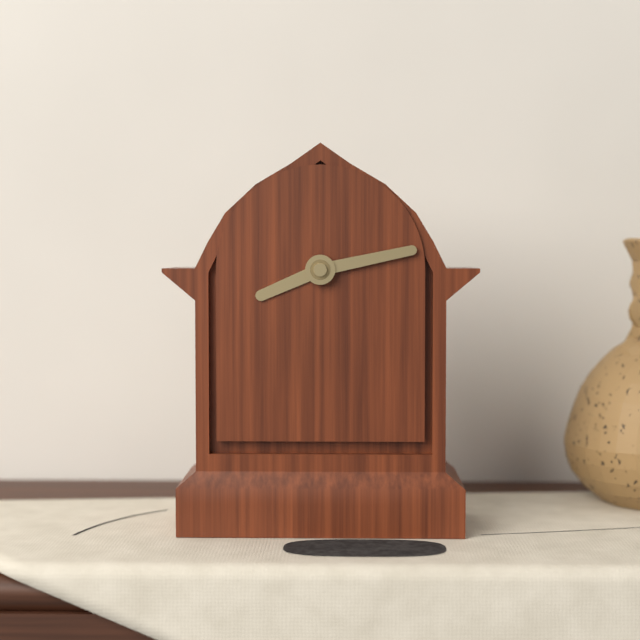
8:13
